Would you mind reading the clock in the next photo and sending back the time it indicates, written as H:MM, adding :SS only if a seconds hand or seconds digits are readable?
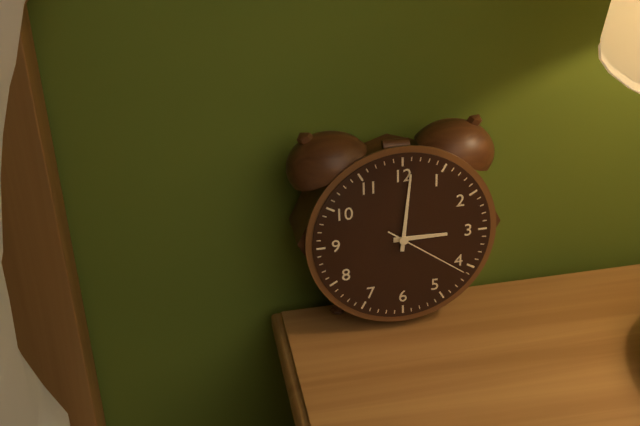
3:01:21
